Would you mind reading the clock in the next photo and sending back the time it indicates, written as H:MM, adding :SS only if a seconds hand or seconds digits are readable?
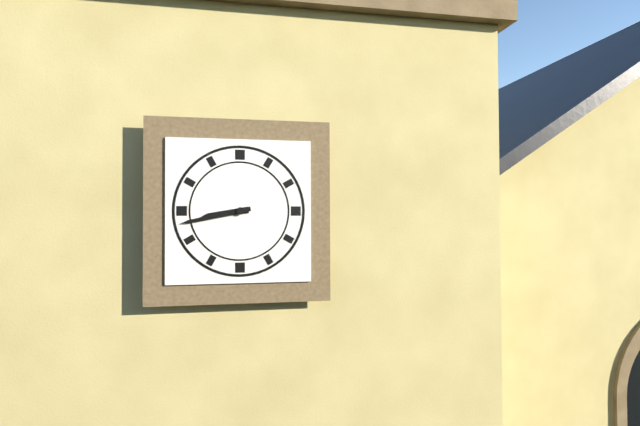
8:43
